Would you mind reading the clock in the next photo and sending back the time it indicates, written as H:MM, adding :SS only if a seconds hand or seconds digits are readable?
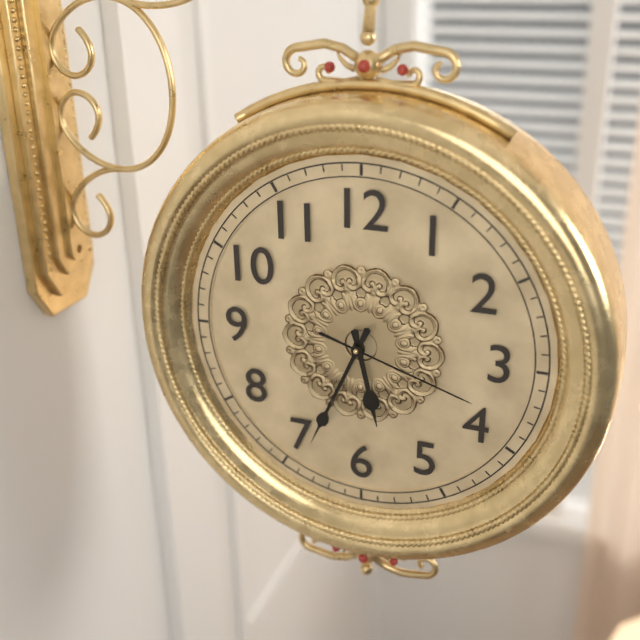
5:34:18
